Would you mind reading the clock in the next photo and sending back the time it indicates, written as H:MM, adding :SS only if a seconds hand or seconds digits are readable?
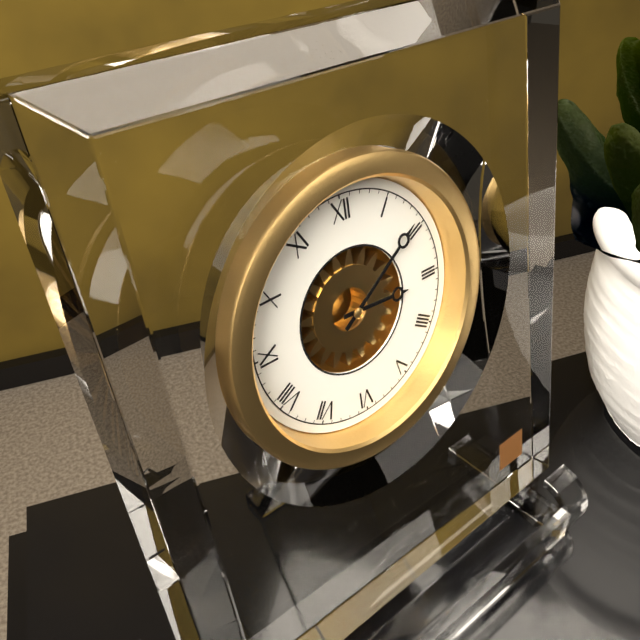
3:09
